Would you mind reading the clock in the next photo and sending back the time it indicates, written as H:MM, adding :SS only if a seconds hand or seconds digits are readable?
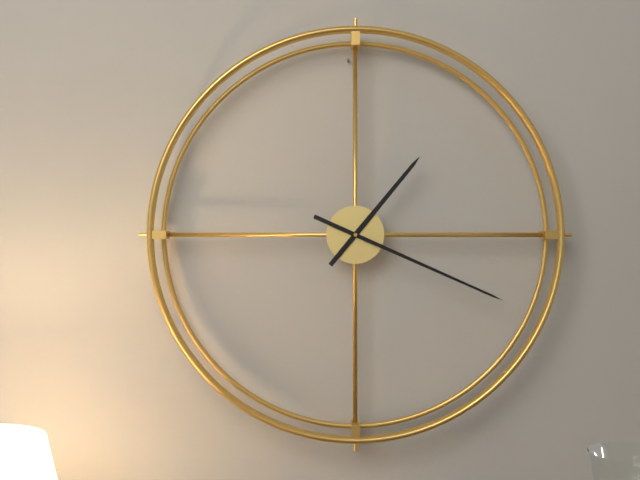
1:19
